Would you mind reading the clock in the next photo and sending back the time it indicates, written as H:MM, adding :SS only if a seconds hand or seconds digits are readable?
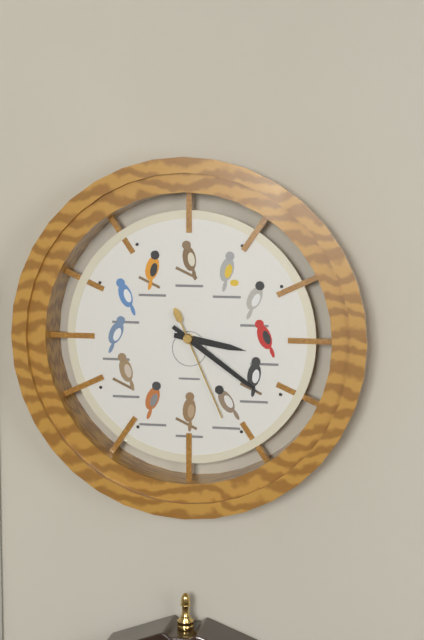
3:21:26
